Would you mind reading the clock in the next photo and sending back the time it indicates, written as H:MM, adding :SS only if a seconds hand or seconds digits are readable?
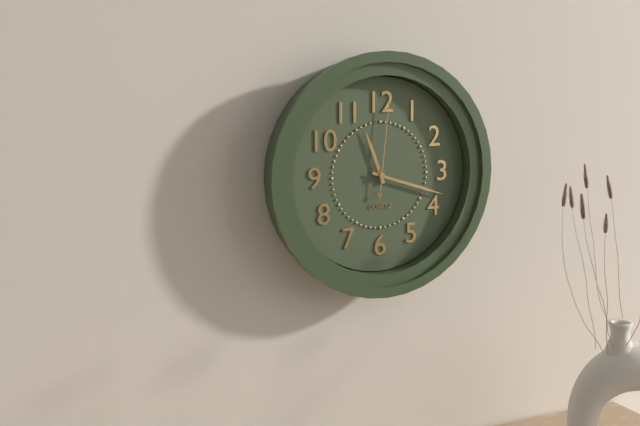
11:18:01
